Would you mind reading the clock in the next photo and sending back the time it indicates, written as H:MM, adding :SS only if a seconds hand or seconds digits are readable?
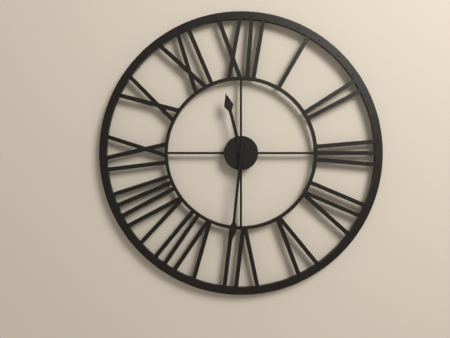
11:31
